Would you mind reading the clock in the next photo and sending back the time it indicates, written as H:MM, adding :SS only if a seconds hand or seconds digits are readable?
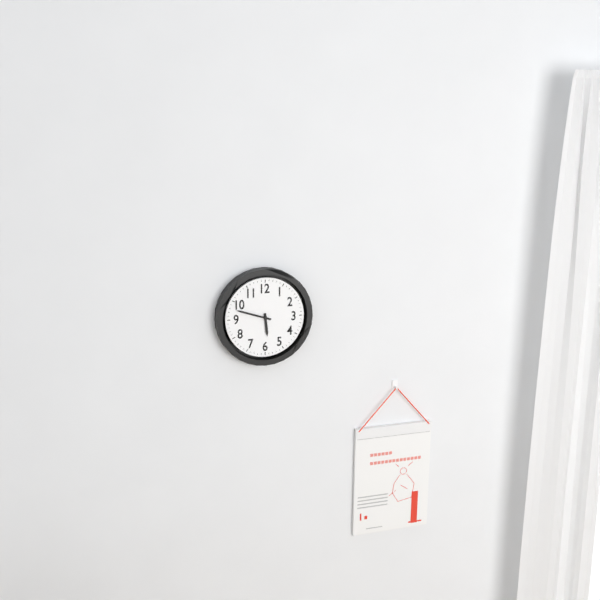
5:48
